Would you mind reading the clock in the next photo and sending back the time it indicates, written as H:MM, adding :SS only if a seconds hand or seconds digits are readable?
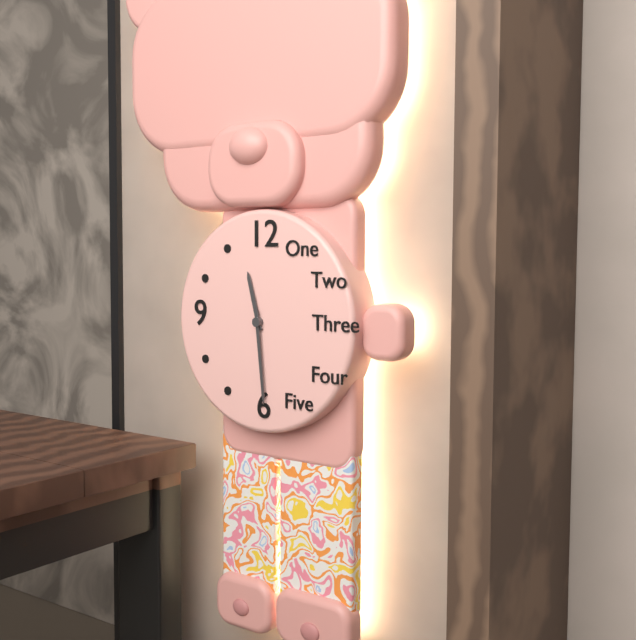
11:29
